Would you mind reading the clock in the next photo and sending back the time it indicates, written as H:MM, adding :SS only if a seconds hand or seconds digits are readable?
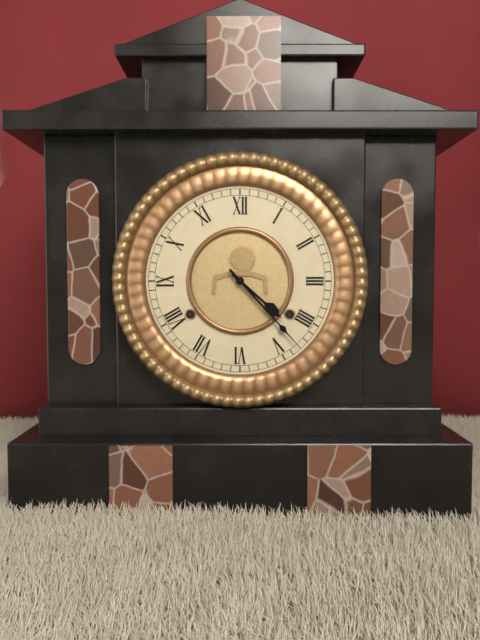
4:23
